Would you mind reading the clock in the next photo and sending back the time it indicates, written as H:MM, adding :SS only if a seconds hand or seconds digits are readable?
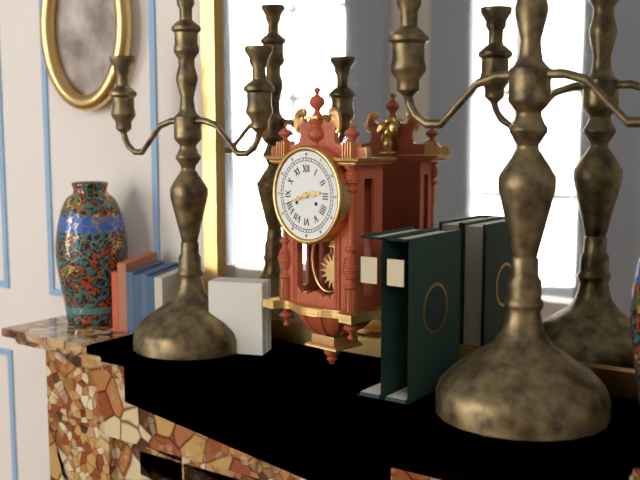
2:42
